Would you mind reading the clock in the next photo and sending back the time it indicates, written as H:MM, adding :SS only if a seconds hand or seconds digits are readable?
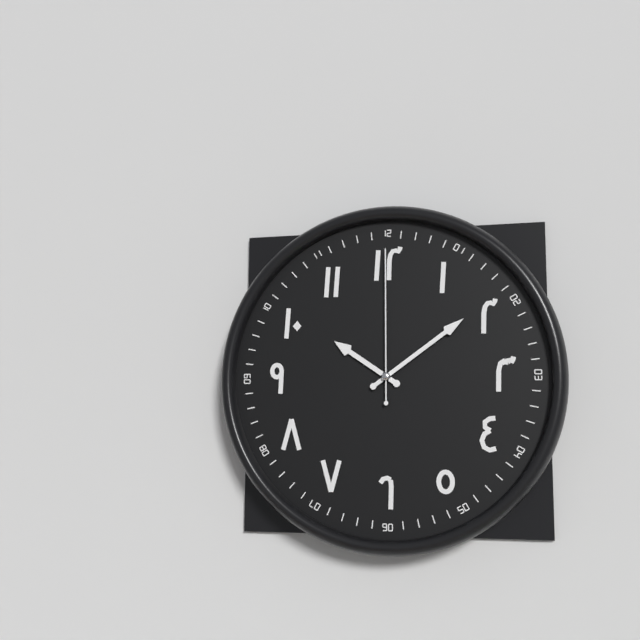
10:09:00
